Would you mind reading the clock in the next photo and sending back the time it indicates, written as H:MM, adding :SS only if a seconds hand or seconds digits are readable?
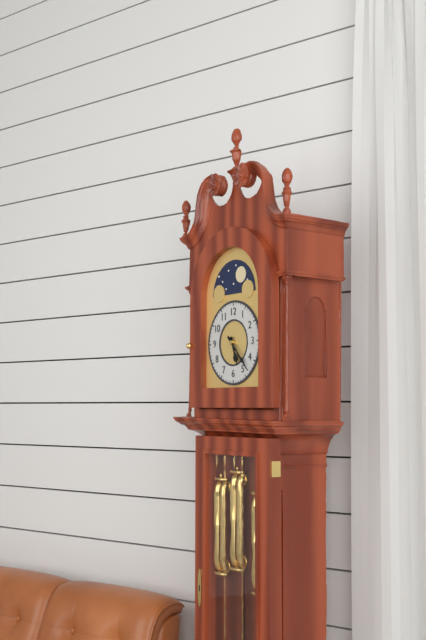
5:23
